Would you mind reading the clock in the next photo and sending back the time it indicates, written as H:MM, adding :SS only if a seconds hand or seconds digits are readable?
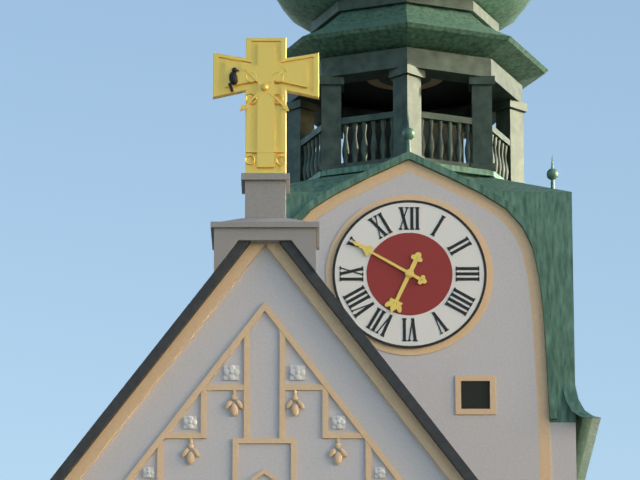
6:50
